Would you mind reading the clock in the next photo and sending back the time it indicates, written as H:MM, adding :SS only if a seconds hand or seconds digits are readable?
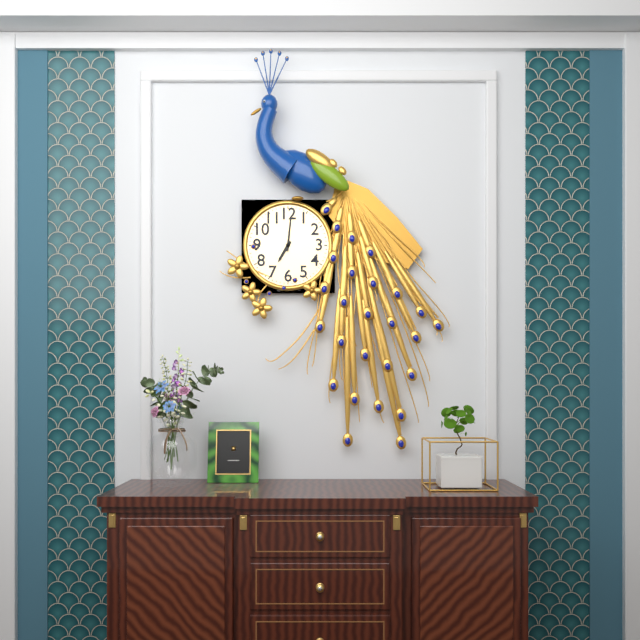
7:01
